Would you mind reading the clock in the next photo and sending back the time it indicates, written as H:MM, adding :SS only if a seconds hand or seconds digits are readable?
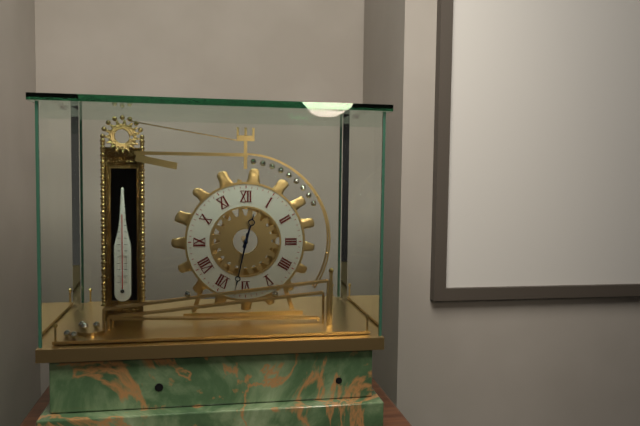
12:32
